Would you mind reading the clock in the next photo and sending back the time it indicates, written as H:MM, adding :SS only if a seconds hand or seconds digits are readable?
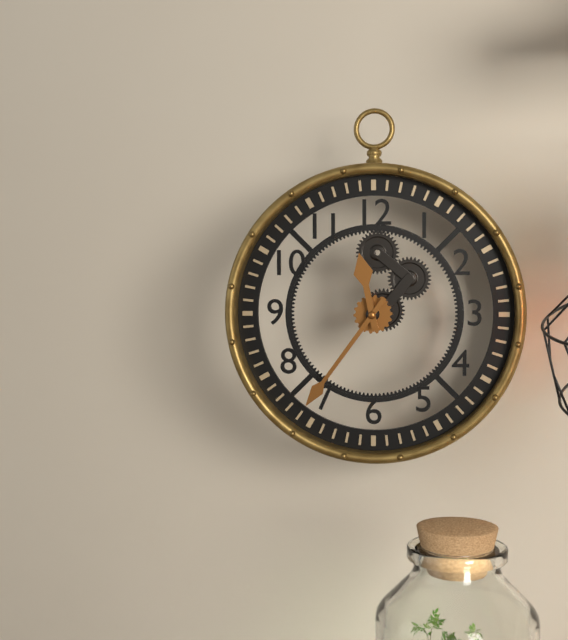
11:36
